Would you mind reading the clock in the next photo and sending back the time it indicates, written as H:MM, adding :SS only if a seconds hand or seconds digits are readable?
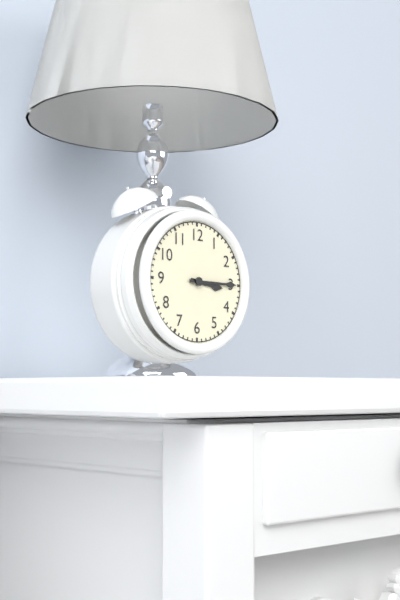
3:15
